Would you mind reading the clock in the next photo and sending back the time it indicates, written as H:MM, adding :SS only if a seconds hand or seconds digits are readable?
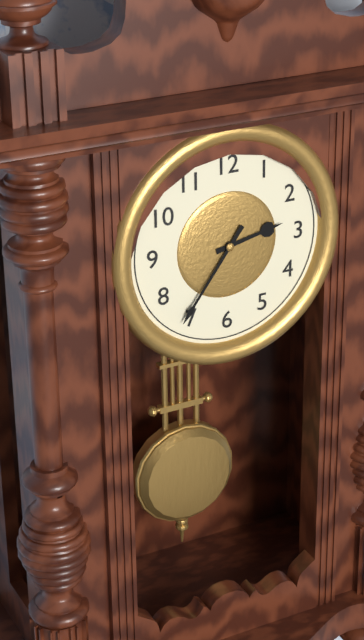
2:36
